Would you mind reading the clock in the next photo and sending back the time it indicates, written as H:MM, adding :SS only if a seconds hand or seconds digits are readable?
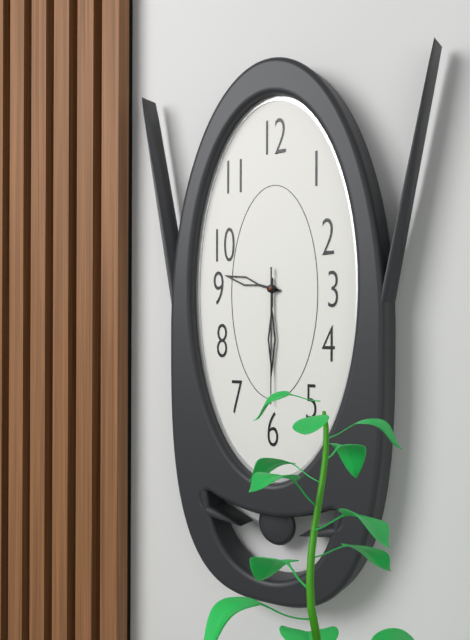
9:30:30
